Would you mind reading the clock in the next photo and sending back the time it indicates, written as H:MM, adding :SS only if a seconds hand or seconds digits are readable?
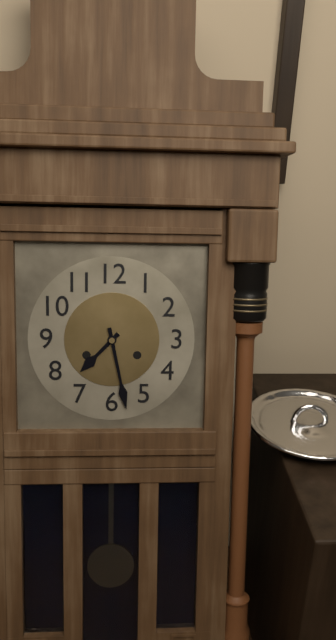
7:28
